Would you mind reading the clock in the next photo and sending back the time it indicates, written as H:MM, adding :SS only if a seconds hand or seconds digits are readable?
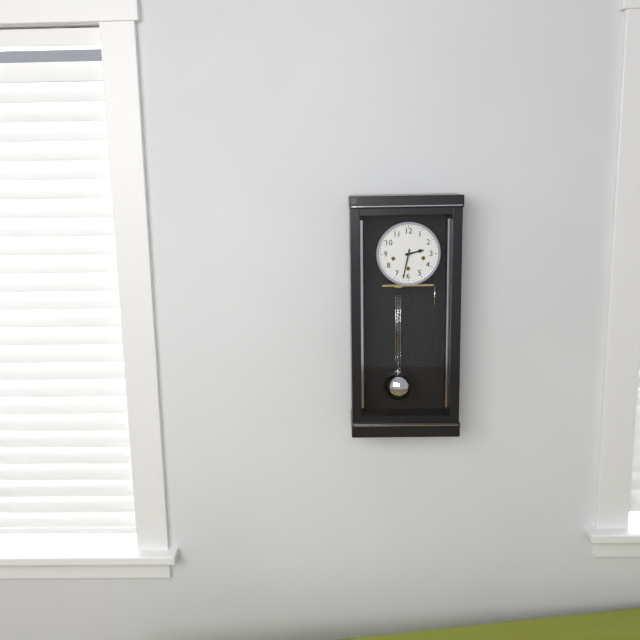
2:32
